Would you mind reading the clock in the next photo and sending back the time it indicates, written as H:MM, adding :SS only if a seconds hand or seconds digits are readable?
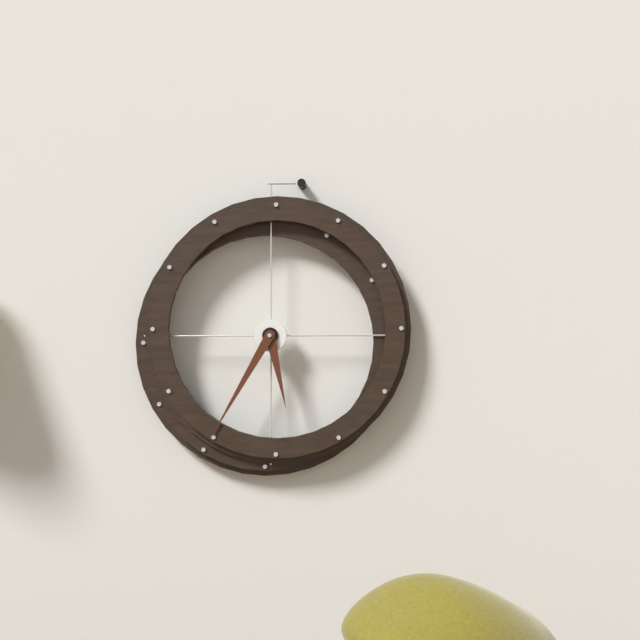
5:35
